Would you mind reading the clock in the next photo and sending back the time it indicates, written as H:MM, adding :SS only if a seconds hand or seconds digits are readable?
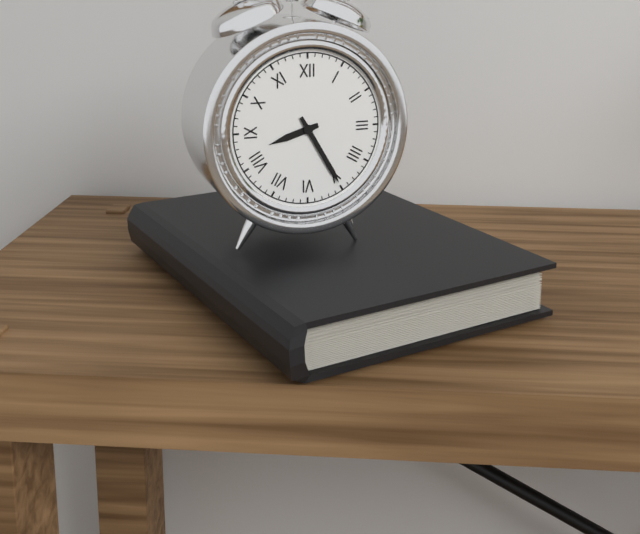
8:25
